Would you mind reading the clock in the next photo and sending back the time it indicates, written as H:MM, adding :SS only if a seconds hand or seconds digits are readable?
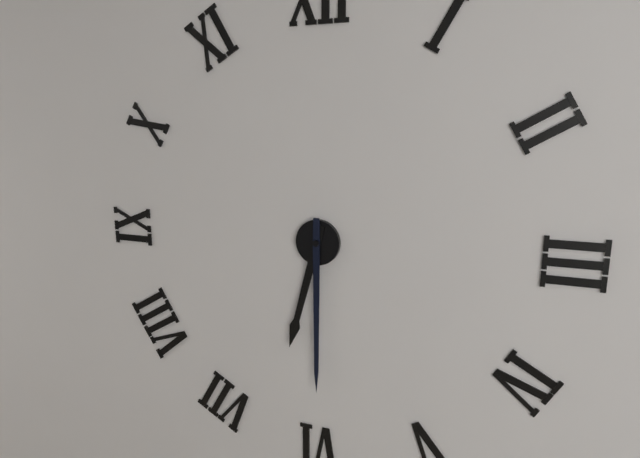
6:30
